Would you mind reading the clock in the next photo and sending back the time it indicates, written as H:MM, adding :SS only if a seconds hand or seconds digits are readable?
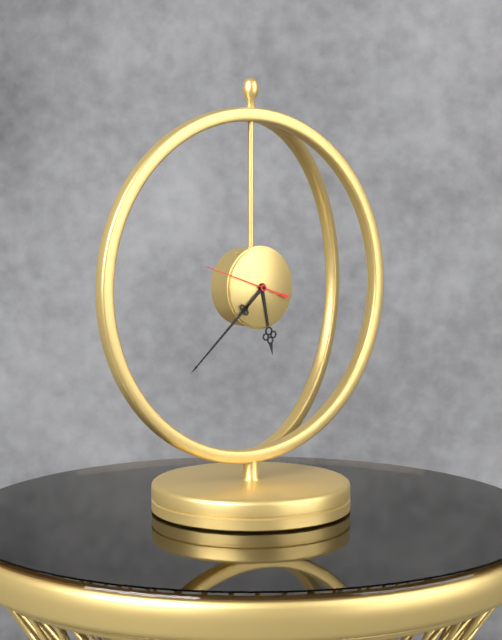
5:38:48
